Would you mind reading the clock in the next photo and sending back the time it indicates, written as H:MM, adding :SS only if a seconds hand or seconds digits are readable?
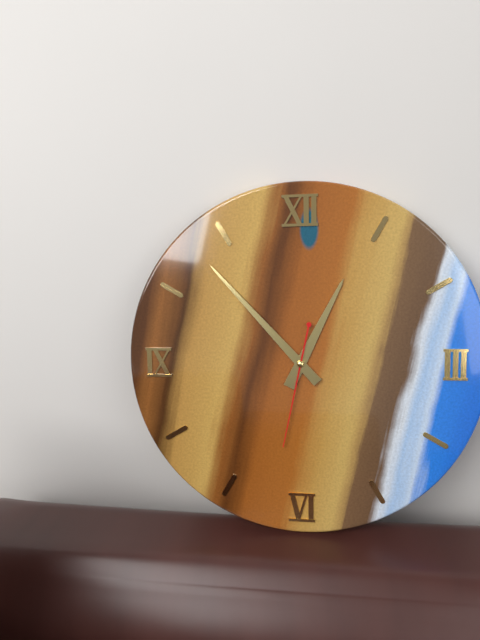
12:53:32
